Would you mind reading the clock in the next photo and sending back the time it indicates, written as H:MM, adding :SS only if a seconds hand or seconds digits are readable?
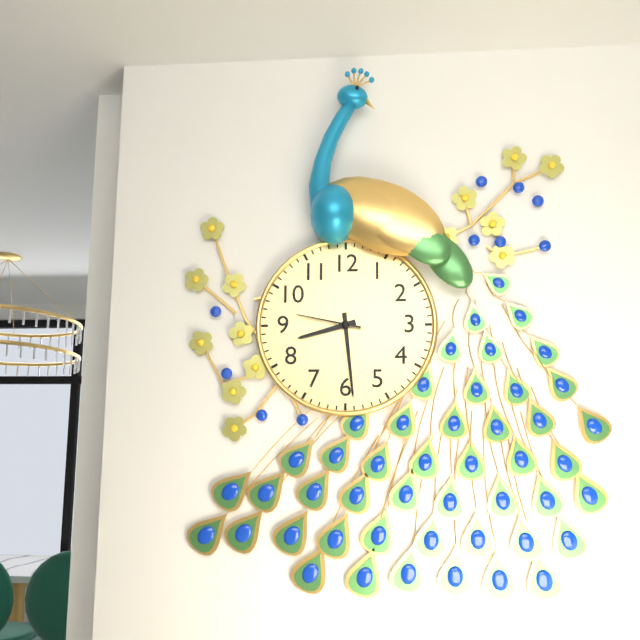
8:29:47
